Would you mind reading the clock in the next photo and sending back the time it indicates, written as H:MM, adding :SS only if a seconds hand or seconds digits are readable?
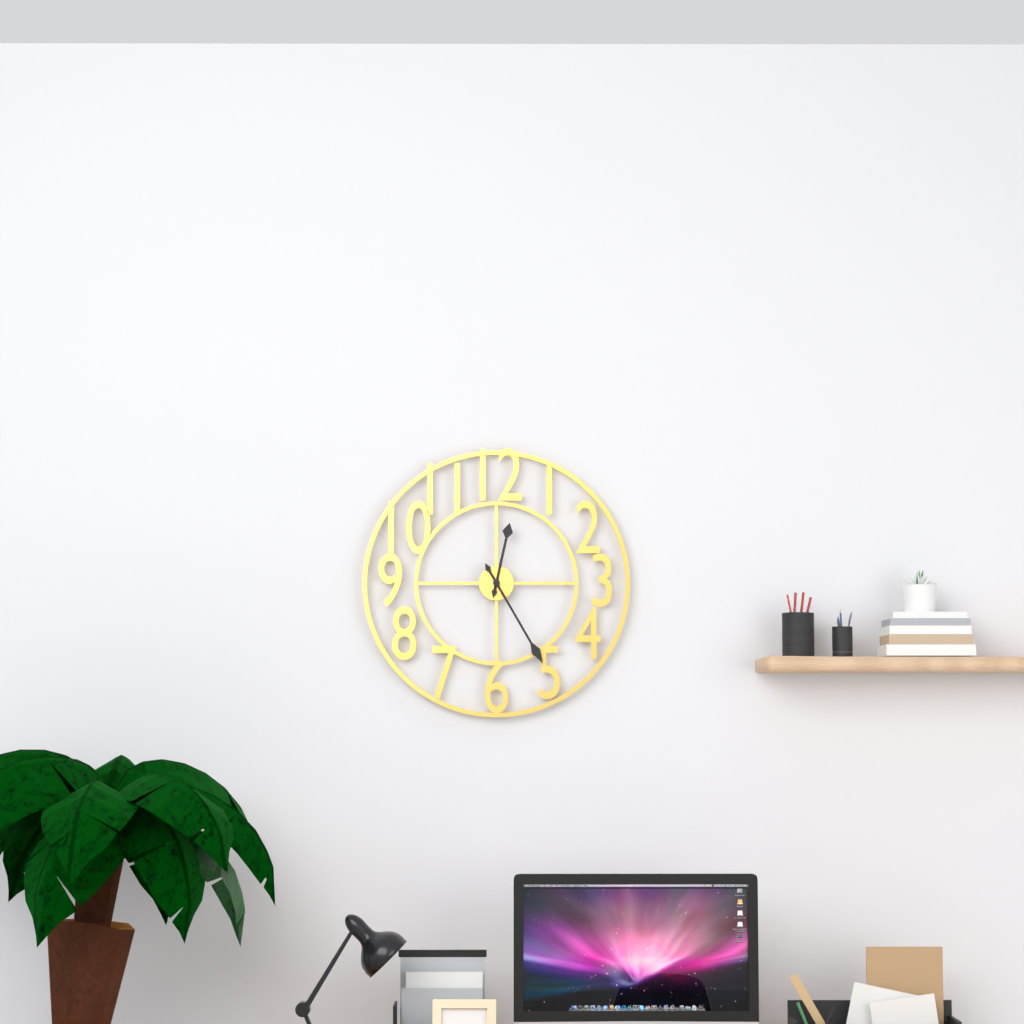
12:25
